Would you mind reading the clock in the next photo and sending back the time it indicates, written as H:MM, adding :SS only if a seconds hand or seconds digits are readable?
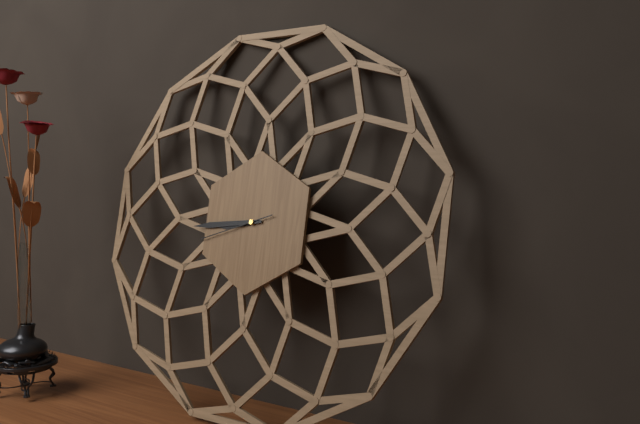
8:44:42
